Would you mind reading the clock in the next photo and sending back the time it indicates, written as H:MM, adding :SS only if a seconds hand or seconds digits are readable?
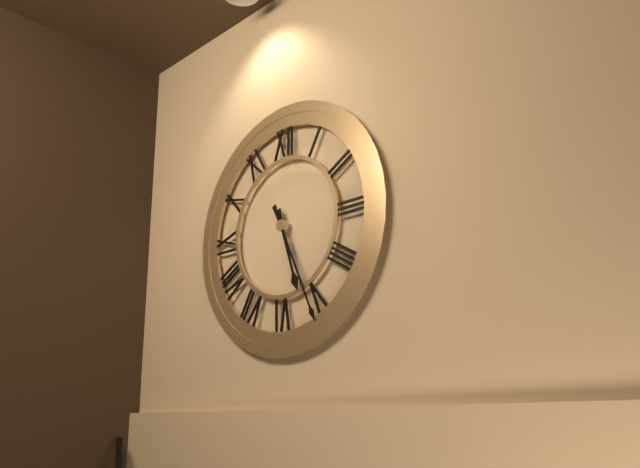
5:26
